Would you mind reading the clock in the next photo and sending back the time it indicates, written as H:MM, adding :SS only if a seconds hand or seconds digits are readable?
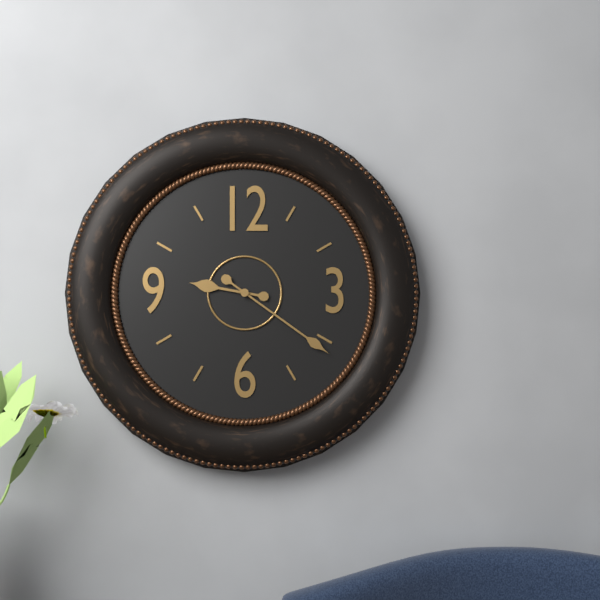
9:21
